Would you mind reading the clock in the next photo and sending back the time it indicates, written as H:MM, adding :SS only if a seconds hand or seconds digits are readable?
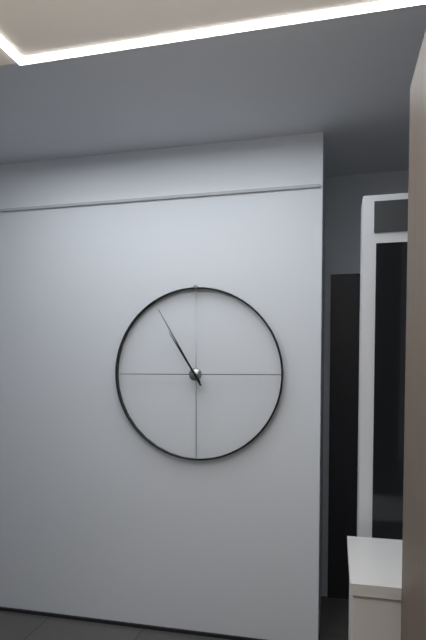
10:55
